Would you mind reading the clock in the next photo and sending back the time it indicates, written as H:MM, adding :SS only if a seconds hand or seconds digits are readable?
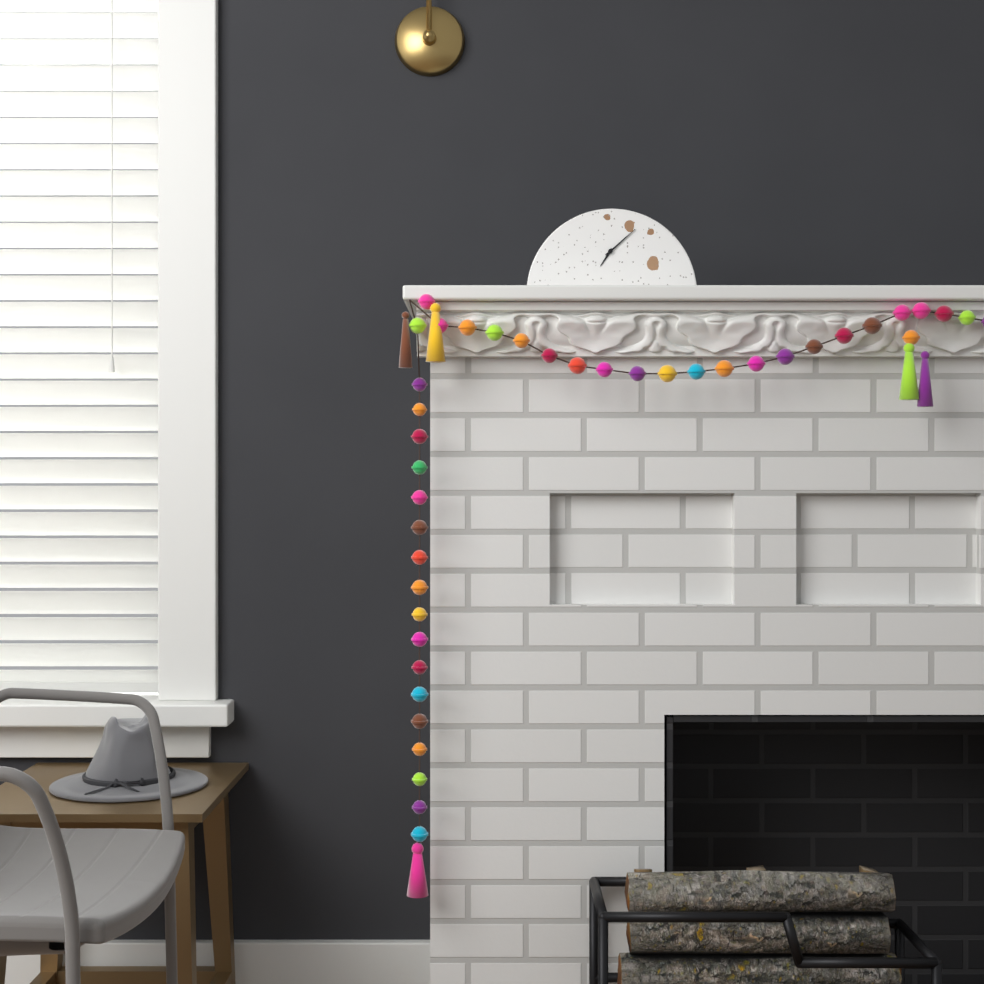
7:08
